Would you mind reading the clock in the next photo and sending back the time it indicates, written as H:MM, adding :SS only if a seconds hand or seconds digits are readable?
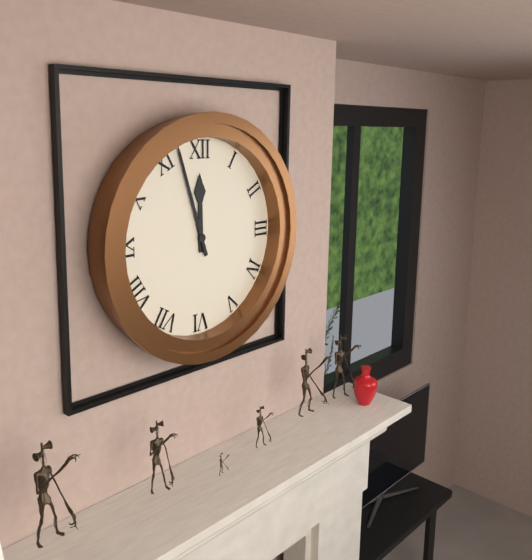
11:57
